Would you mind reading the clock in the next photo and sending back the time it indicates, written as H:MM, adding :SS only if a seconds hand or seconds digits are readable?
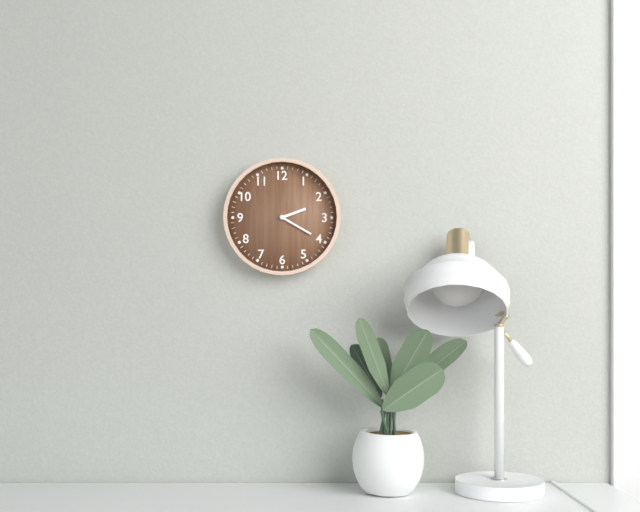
2:20
